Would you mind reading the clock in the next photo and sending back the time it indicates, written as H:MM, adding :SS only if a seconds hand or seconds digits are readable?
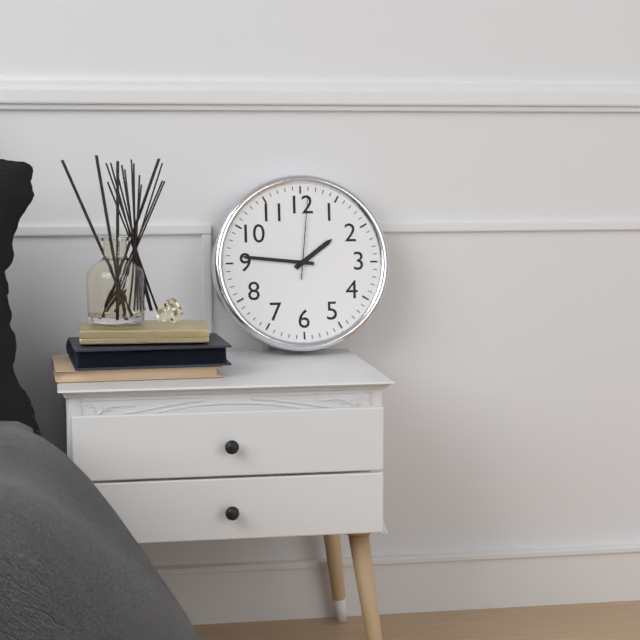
1:46:01
